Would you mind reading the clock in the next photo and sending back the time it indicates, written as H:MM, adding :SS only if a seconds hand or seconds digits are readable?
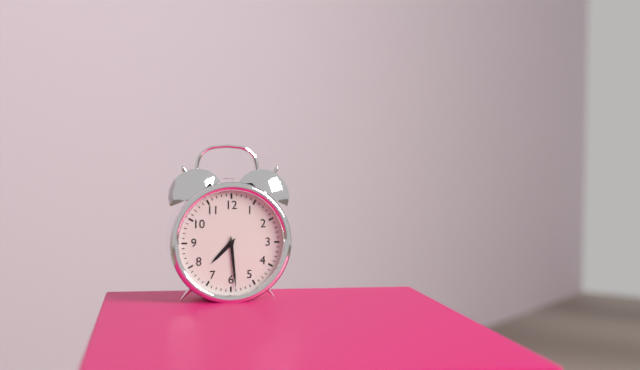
7:29
